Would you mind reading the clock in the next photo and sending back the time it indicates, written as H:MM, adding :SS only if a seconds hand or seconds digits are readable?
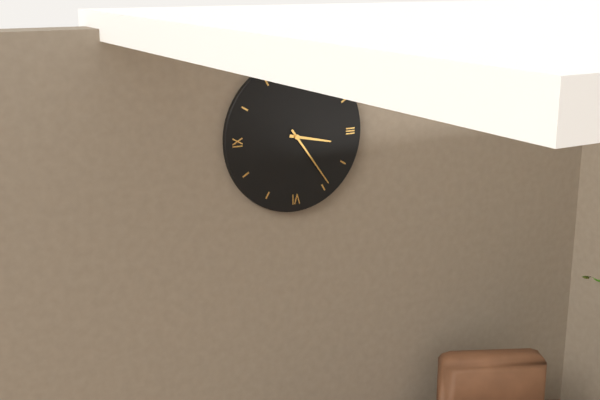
3:24
